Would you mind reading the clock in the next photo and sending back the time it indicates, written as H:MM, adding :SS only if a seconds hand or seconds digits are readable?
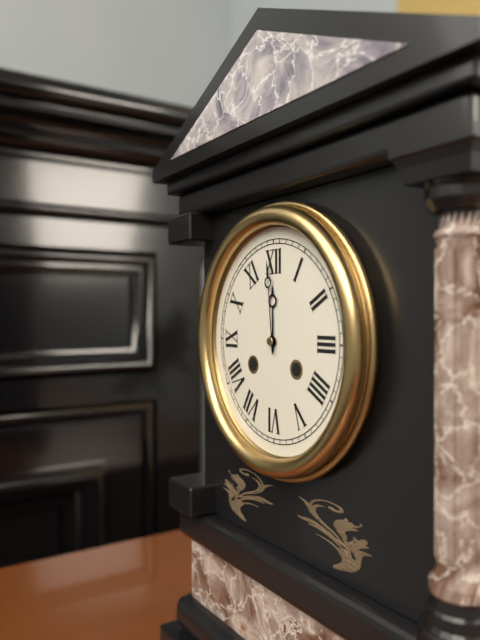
11:59
